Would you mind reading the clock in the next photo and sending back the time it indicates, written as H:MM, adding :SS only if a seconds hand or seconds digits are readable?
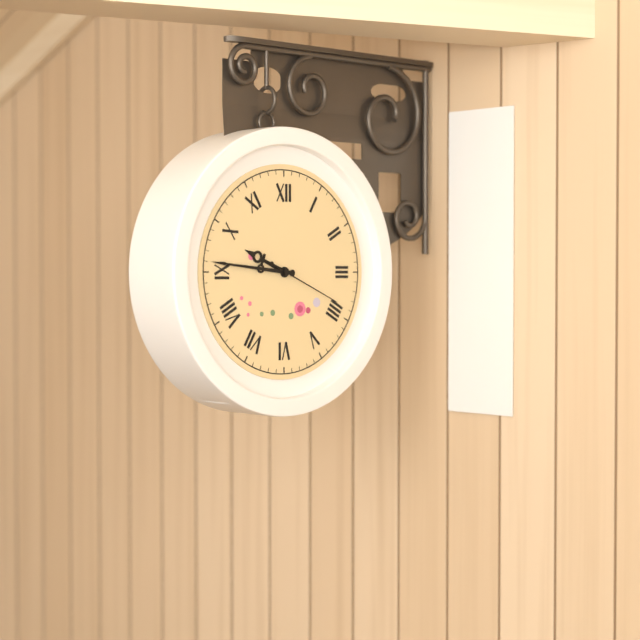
9:46:19
